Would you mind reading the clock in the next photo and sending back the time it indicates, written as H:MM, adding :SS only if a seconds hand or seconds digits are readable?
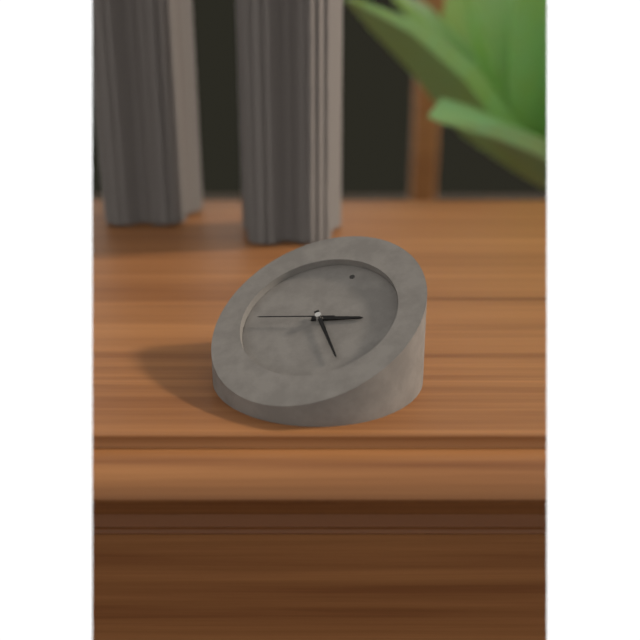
2:22:42
